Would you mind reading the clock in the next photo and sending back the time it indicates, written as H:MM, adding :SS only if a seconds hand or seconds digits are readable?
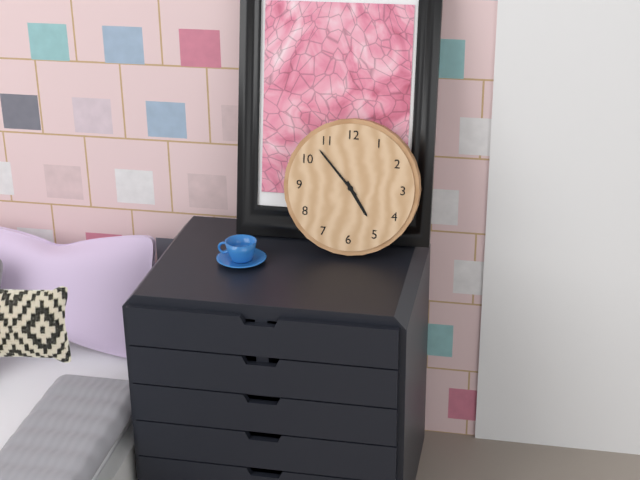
4:53
